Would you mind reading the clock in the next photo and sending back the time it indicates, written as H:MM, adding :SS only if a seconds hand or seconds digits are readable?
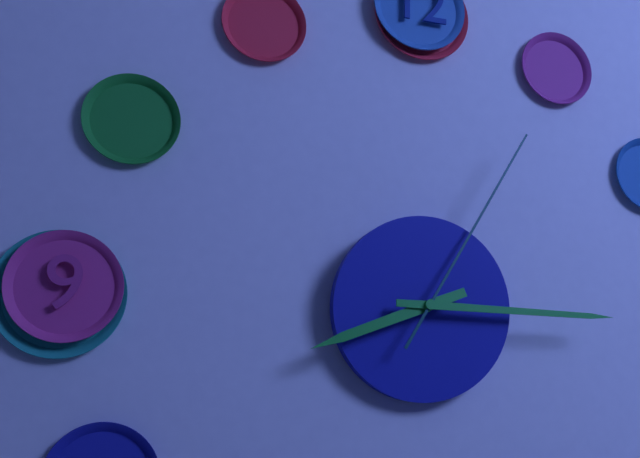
8:15:05
